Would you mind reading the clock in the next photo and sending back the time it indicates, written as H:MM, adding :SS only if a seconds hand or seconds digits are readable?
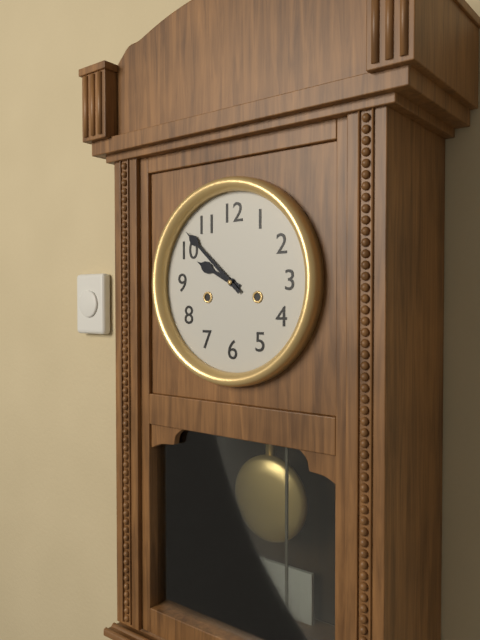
9:52
